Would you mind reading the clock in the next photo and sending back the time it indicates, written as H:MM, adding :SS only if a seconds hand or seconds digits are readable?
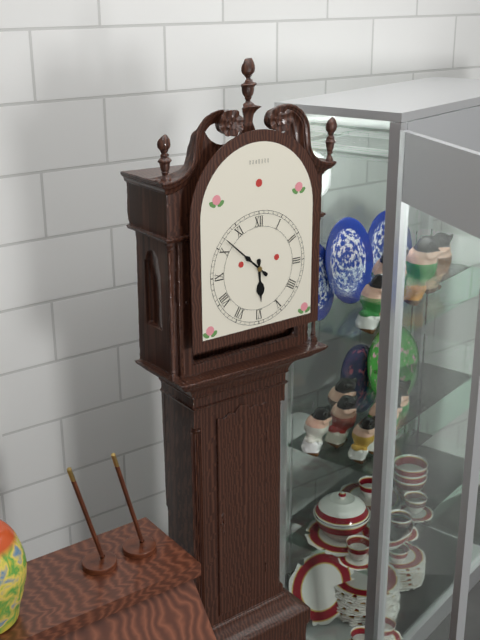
5:52
